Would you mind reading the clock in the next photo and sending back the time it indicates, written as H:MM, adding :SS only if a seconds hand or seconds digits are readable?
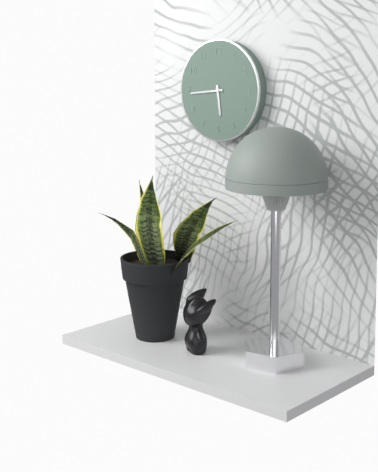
5:44
